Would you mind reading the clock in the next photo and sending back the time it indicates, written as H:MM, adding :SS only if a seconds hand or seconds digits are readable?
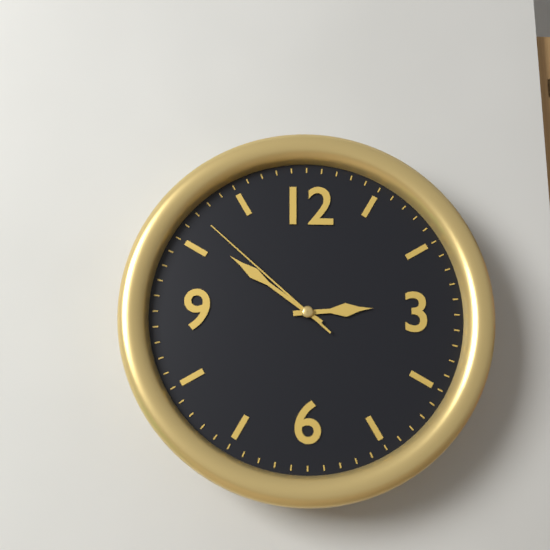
2:51:52
